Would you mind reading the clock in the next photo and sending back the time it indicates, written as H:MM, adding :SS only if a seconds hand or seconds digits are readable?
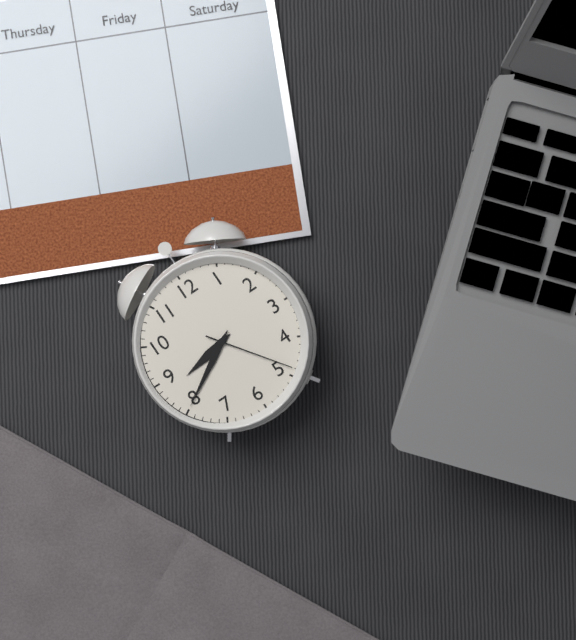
8:40:24
